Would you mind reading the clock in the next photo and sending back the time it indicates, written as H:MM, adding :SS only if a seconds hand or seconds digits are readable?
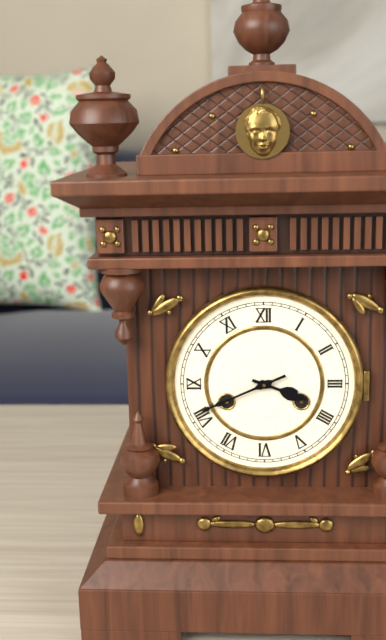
3:41
